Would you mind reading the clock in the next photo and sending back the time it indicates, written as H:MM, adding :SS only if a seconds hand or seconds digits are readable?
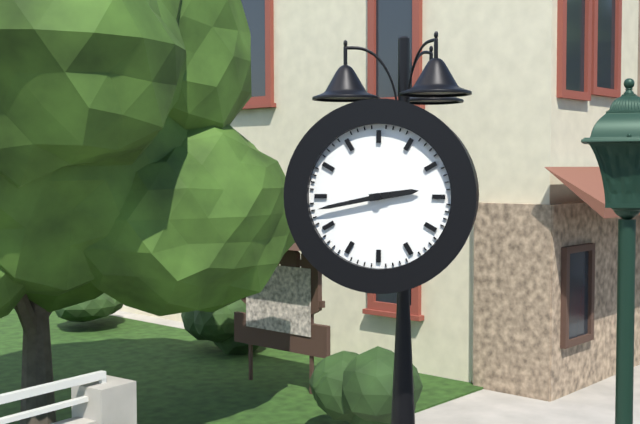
2:43
